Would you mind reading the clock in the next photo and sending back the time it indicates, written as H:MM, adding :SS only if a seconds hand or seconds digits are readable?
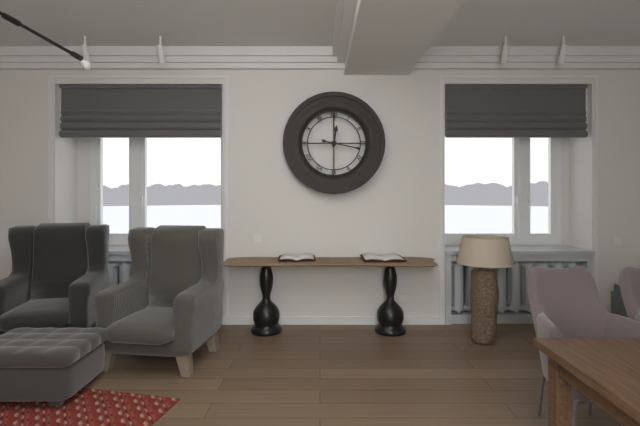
12:17
